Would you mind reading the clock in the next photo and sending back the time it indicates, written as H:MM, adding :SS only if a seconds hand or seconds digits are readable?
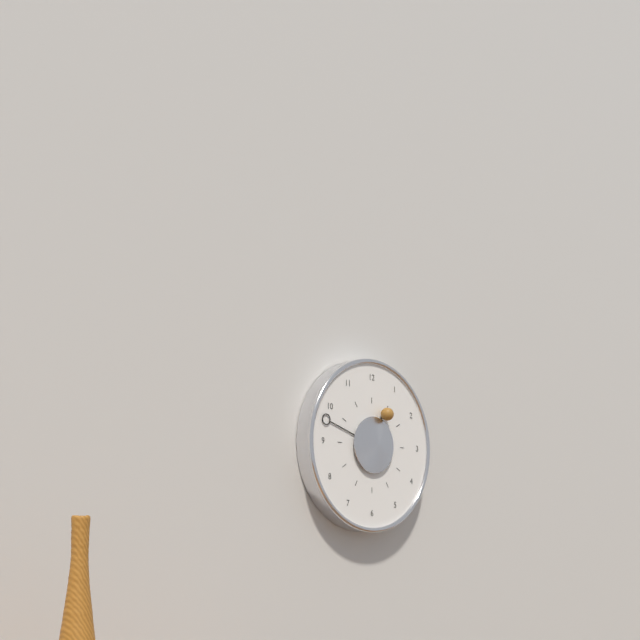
12:48
